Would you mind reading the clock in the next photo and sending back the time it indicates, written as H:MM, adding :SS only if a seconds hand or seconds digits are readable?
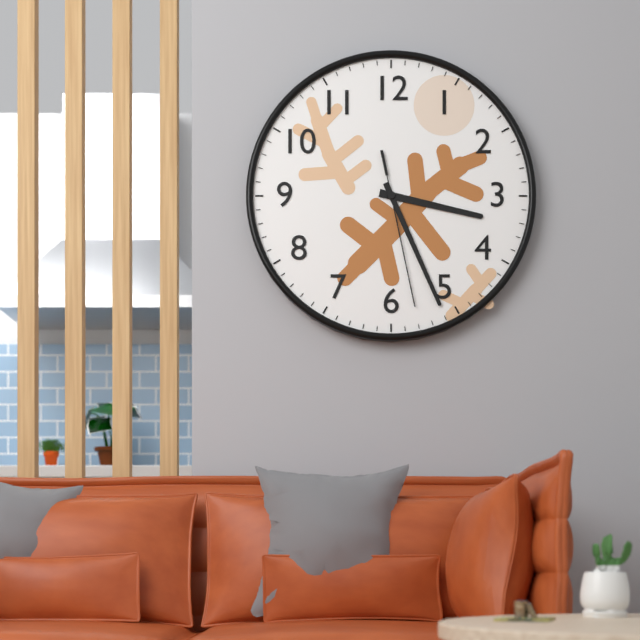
3:26:28
